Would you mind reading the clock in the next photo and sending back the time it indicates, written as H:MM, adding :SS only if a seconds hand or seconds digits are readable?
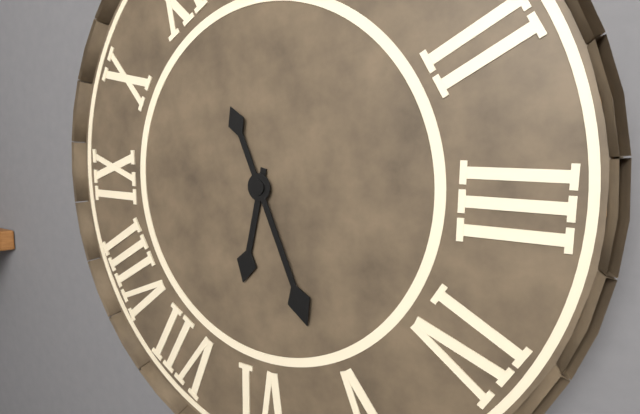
6:26
